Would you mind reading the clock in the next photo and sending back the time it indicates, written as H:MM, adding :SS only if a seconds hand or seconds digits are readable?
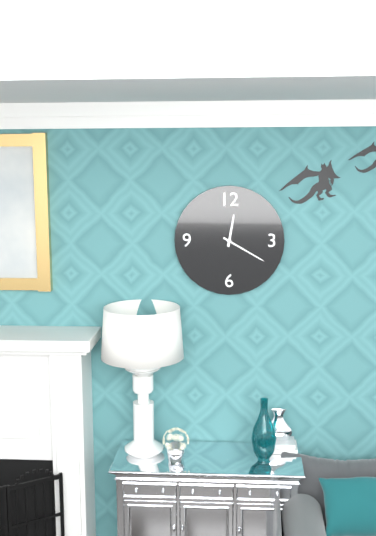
12:20
